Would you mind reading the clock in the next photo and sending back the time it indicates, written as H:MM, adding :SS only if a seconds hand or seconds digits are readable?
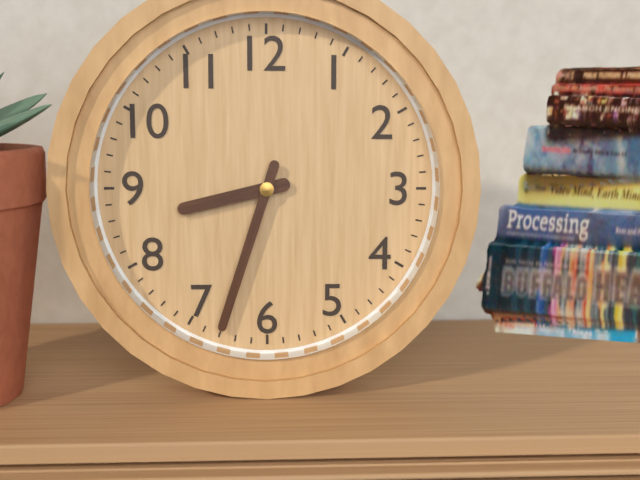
8:33
